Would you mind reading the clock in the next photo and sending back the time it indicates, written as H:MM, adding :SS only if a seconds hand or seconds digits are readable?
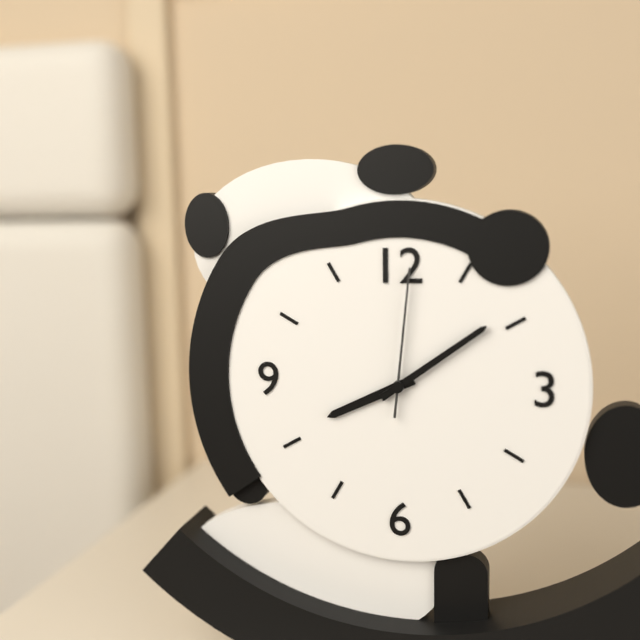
8:09:01
